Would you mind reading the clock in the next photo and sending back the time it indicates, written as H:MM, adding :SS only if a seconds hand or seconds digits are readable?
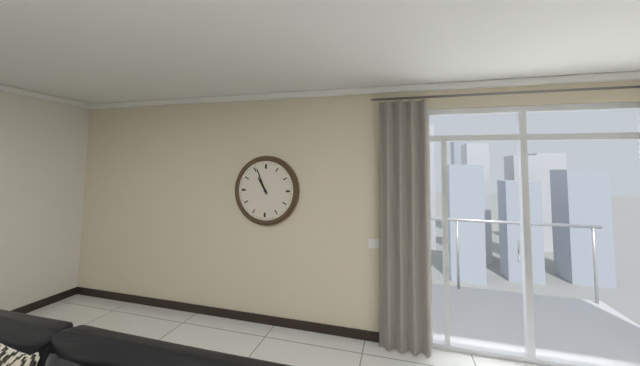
10:56
